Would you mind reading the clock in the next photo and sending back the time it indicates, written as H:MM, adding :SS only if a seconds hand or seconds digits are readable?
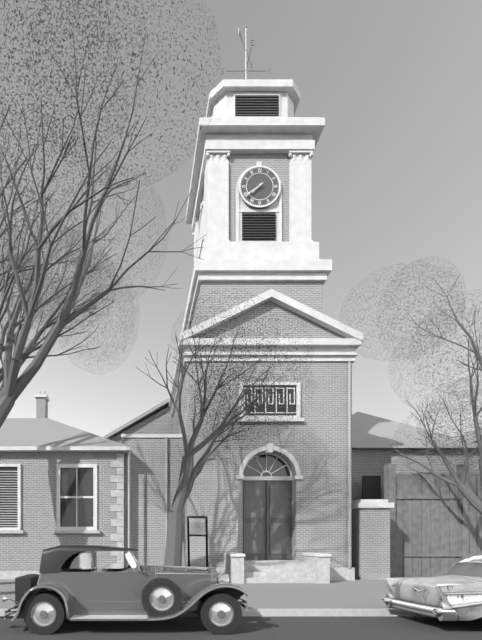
7:39
